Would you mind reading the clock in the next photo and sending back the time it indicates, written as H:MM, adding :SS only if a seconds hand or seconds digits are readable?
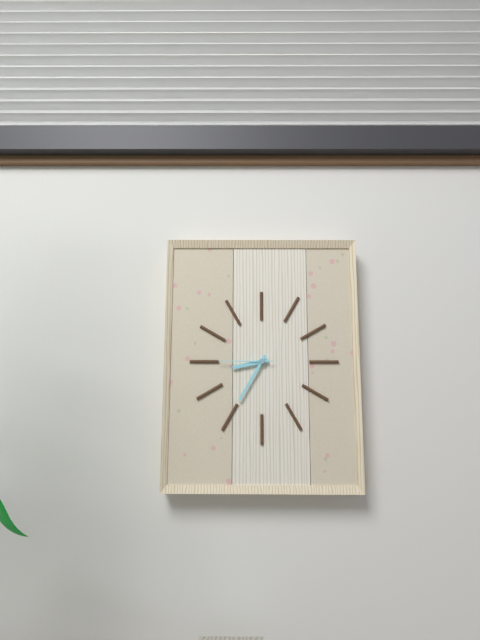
8:35:45
